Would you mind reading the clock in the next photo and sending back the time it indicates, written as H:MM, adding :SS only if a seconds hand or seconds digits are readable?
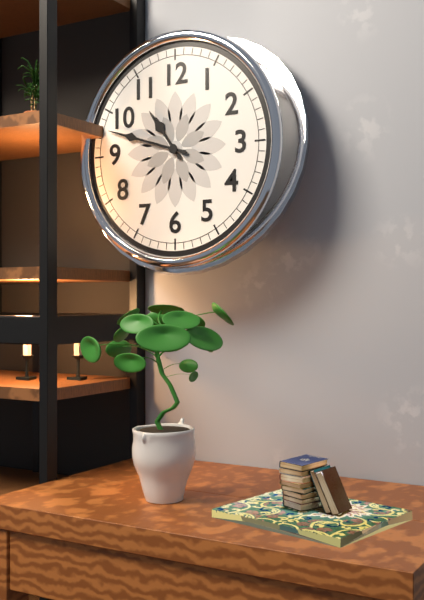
10:48
